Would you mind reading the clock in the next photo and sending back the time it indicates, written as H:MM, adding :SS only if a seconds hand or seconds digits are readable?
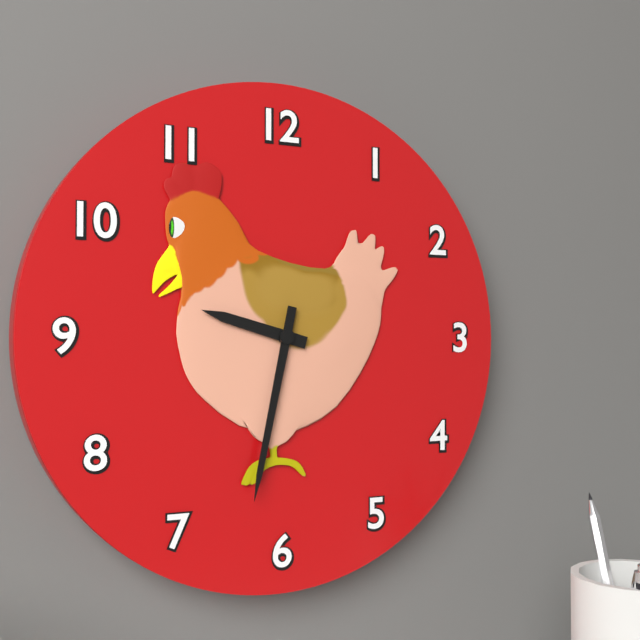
9:32
